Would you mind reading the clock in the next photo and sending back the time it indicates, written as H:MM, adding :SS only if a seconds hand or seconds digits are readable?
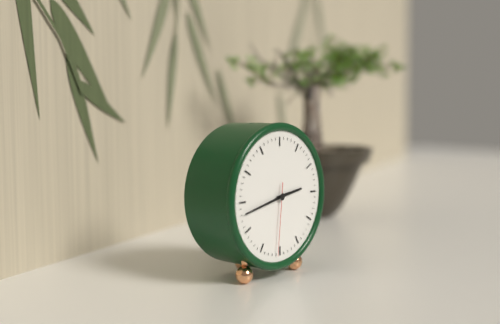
2:43:31
